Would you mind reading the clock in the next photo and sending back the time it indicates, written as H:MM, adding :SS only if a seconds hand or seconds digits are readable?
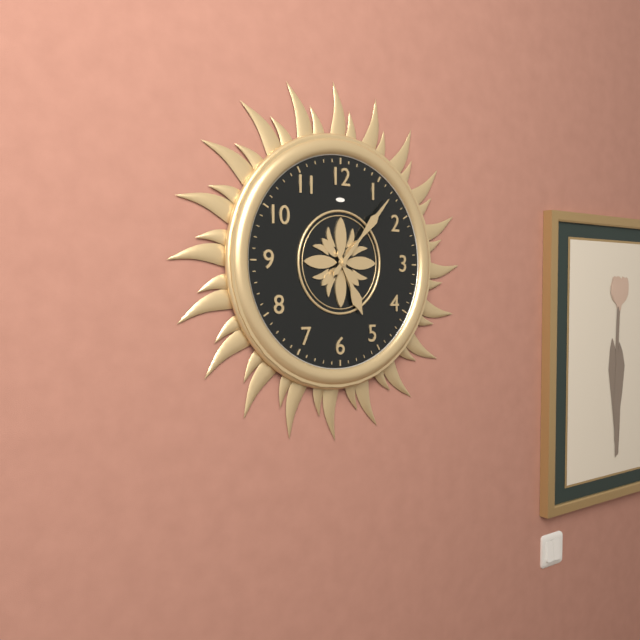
5:07
